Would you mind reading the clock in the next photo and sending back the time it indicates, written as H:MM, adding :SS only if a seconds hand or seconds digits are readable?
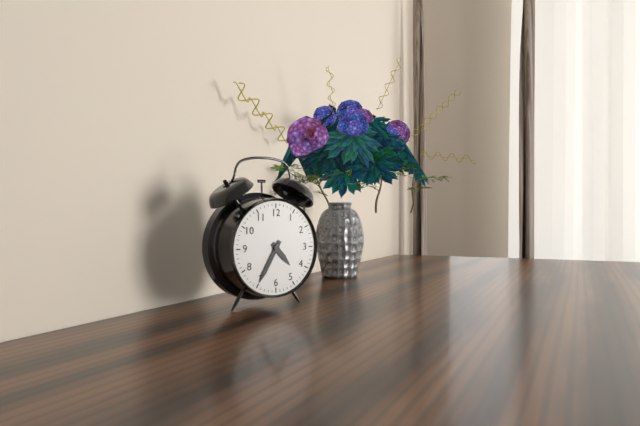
4:35
